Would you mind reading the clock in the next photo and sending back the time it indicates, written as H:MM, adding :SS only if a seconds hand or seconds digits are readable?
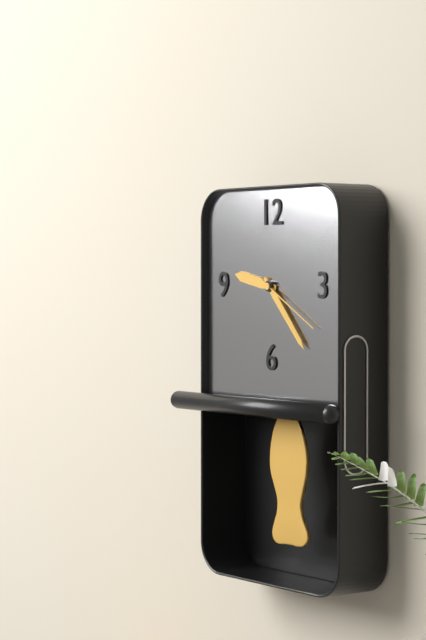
9:23:20
